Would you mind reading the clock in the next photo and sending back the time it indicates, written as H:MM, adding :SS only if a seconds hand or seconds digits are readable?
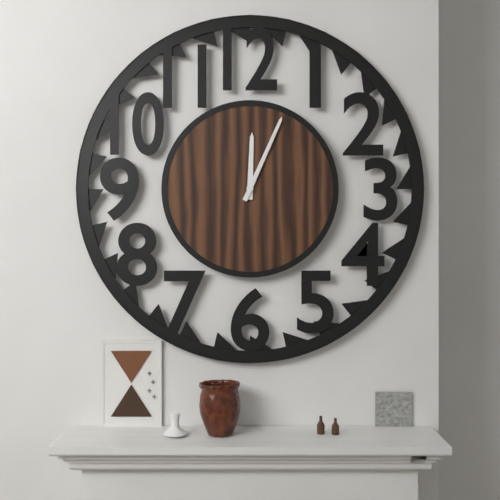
12:04
